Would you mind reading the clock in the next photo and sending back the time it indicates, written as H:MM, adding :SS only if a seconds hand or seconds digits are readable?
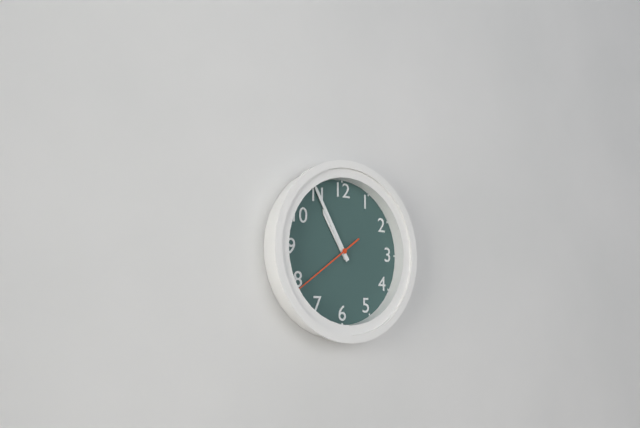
10:55:39
